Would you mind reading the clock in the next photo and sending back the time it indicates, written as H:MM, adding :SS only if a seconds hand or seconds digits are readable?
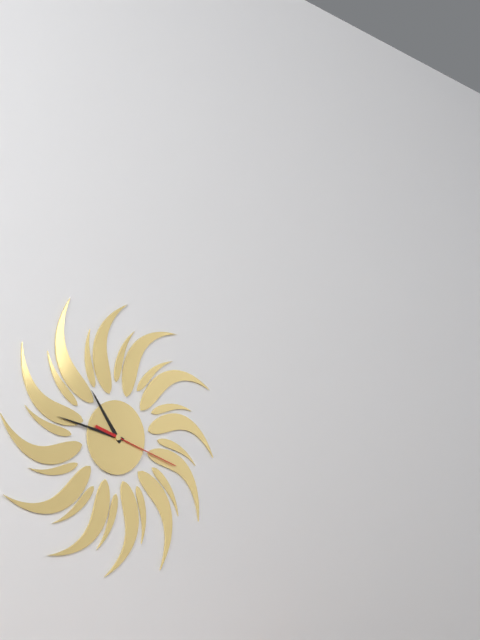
10:47:18
